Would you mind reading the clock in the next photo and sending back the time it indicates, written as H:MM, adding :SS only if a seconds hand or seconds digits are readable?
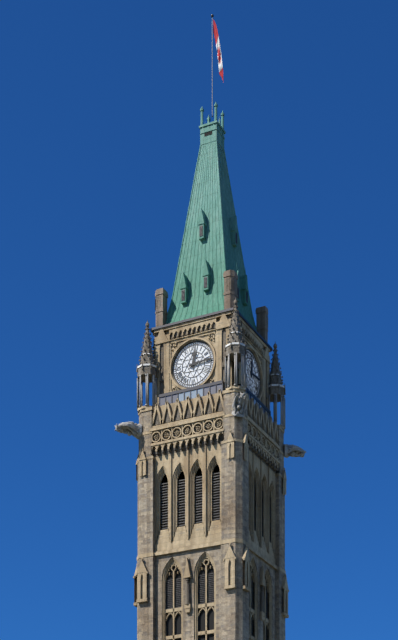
12:14
